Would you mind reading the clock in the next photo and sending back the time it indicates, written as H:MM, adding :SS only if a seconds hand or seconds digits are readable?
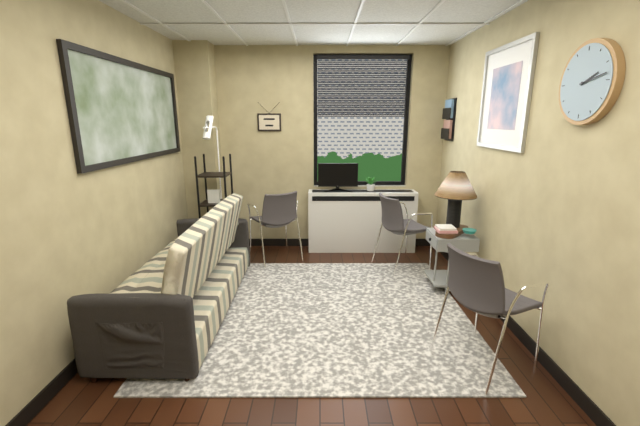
2:13
